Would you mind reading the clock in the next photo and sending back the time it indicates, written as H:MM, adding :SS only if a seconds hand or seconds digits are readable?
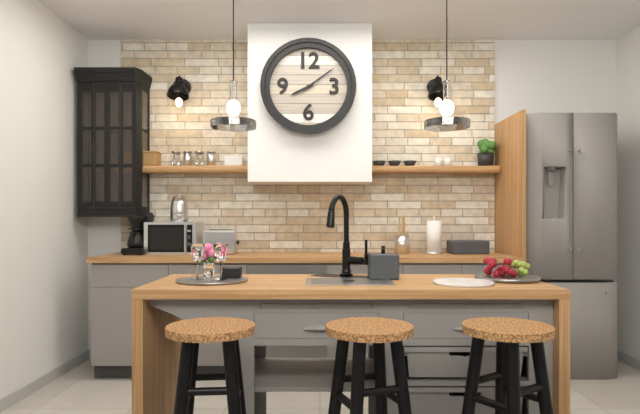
8:09
